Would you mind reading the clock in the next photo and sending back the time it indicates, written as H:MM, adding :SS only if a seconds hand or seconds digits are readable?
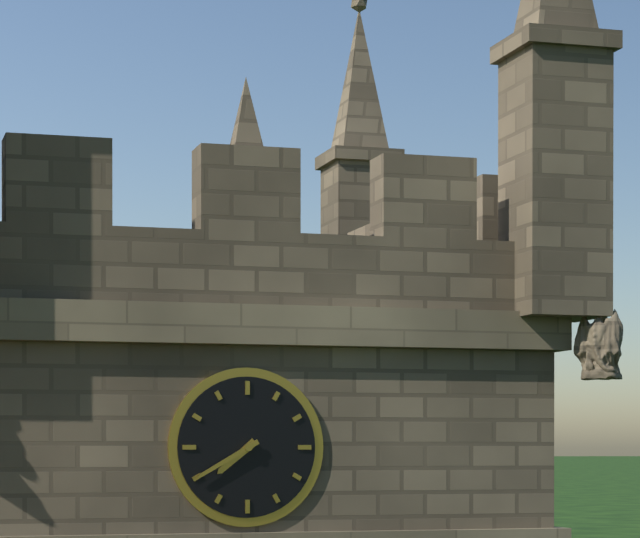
7:40
